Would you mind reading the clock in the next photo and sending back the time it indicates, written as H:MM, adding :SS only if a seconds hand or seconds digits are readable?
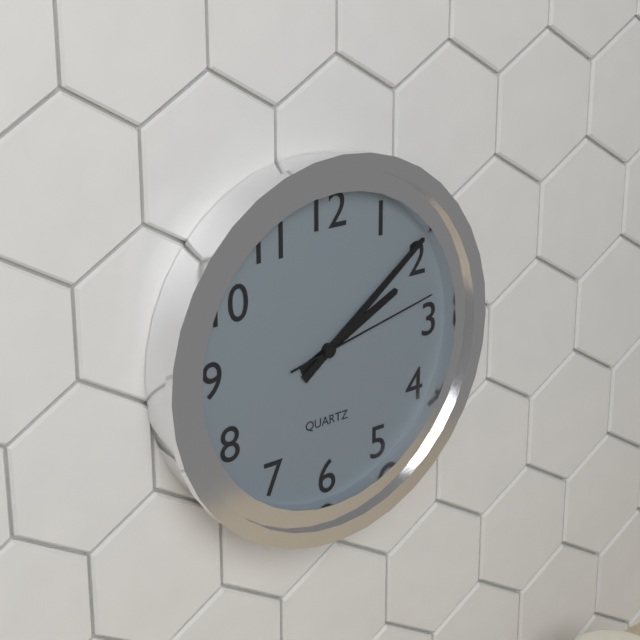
2:09:13
